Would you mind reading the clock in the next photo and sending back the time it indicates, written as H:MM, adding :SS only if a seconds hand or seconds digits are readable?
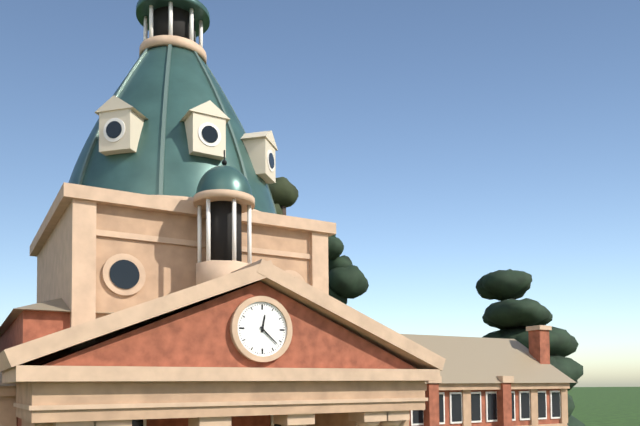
12:22
